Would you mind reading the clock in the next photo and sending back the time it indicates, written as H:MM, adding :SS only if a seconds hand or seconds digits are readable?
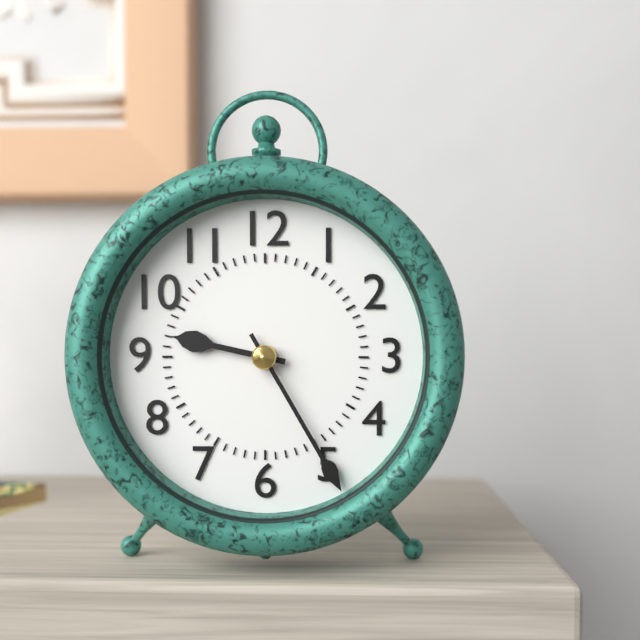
9:25
